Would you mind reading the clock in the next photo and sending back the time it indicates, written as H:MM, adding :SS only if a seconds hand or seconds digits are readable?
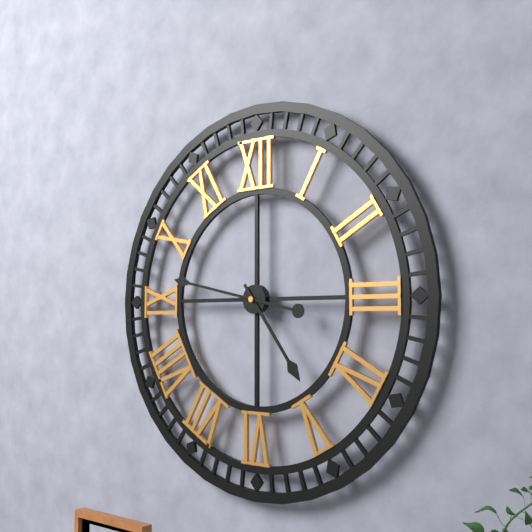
4:47
